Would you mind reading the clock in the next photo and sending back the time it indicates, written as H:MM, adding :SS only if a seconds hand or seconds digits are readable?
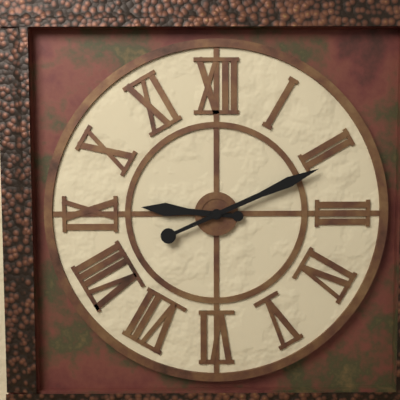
9:11
